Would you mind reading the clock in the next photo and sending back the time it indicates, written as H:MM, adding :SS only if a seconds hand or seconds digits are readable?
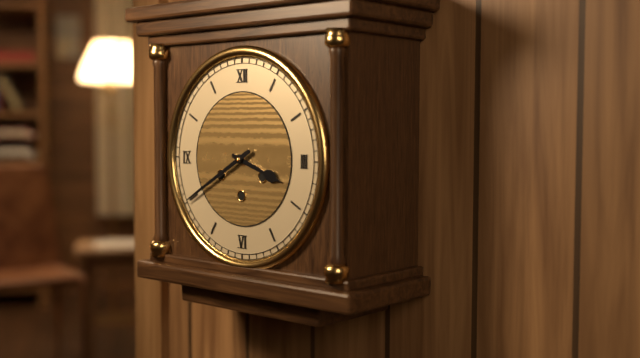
3:40
